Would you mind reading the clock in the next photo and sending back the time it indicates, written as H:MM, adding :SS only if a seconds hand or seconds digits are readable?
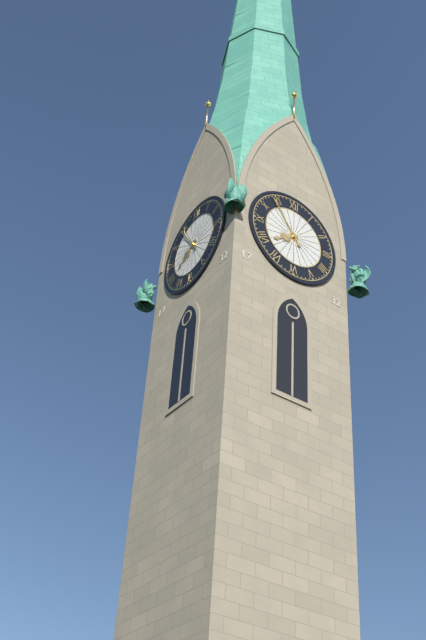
7:54
